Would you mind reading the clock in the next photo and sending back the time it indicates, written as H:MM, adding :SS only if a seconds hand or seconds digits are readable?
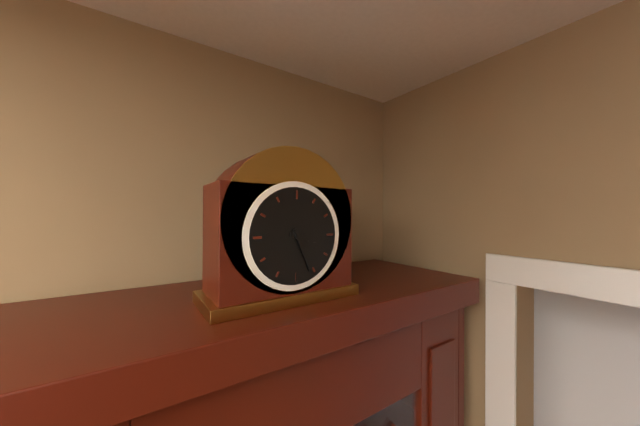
3:26
